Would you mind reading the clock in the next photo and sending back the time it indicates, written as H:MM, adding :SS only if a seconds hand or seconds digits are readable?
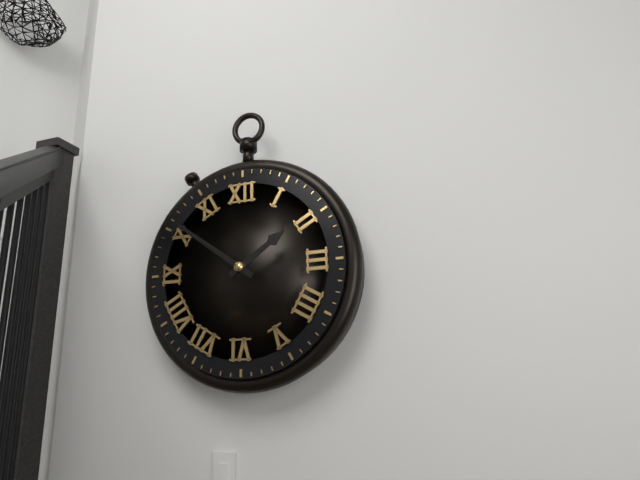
1:51
